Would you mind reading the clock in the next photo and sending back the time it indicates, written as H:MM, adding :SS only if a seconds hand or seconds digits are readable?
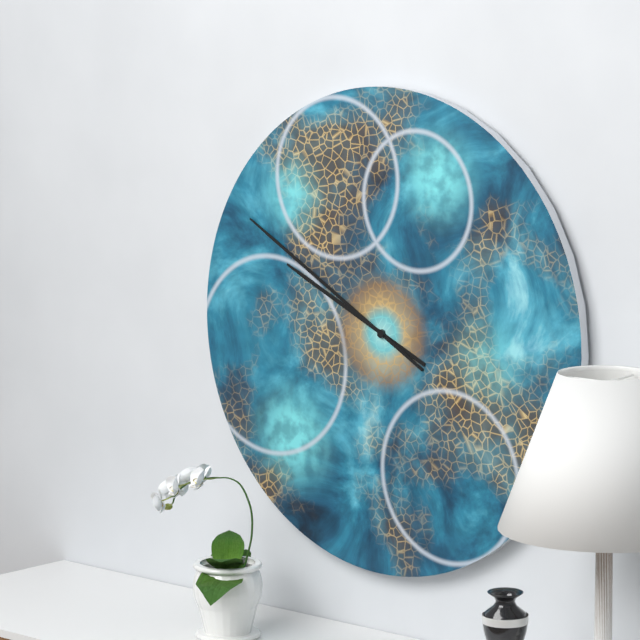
9:50
